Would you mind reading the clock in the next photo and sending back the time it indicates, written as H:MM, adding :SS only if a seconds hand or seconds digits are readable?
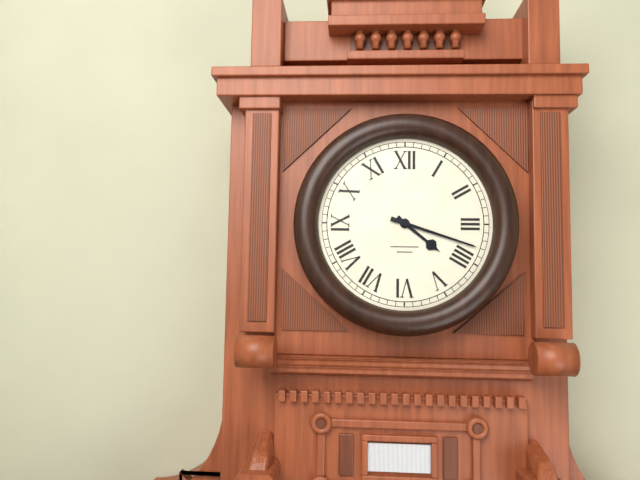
4:18
